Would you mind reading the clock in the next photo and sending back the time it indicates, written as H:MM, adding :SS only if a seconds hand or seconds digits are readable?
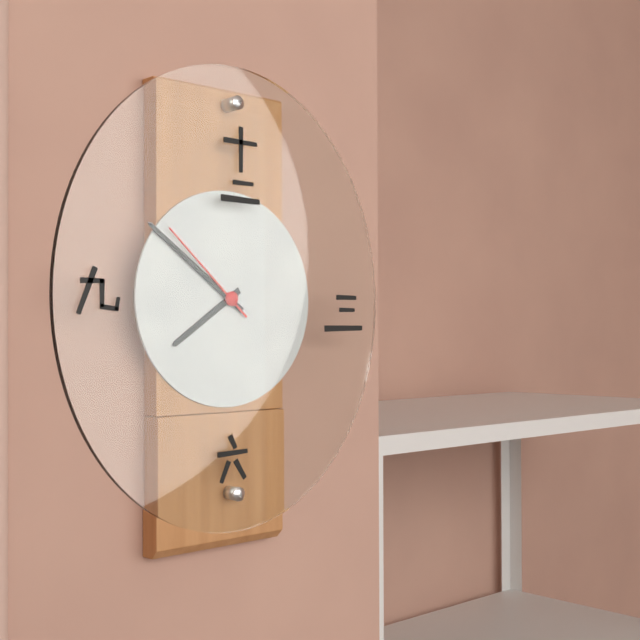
7:51:52
